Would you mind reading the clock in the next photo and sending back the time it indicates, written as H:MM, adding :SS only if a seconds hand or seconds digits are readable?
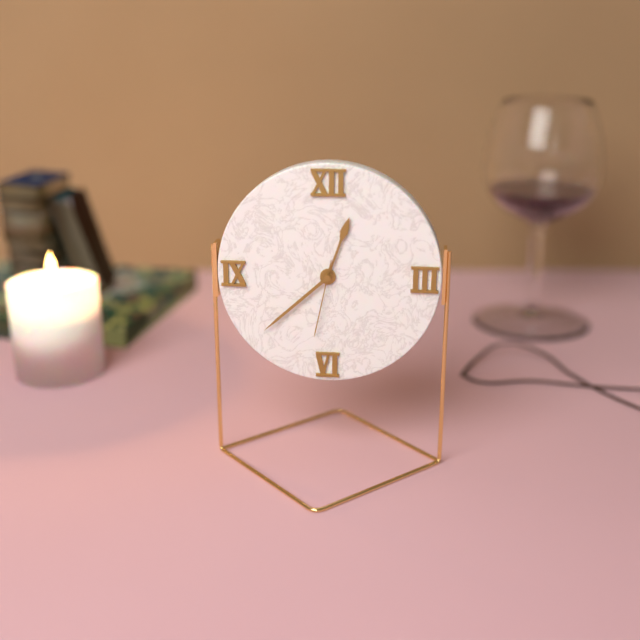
12:38:32
